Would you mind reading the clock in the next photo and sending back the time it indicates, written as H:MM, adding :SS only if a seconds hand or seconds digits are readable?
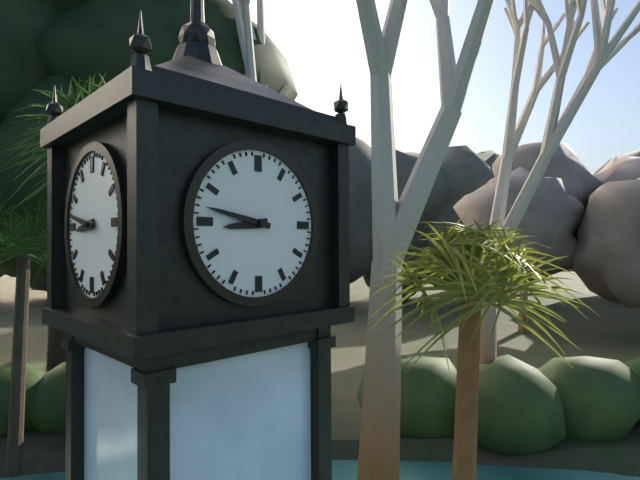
8:47
